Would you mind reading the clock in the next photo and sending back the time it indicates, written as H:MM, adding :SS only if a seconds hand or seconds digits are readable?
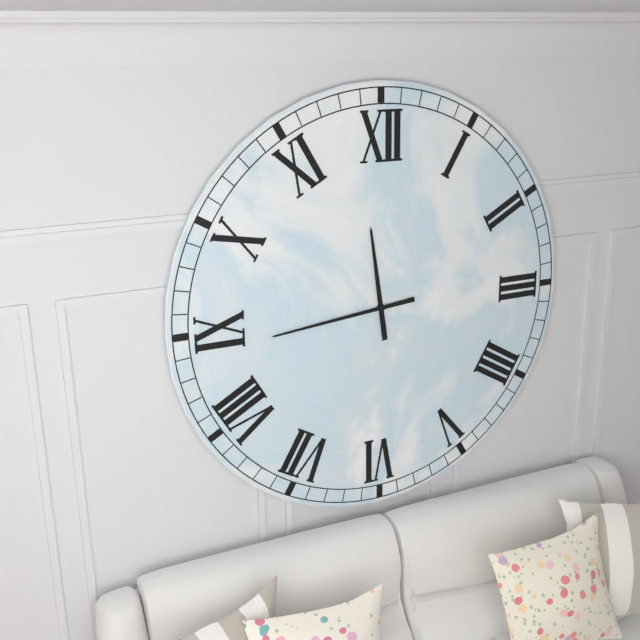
11:44
